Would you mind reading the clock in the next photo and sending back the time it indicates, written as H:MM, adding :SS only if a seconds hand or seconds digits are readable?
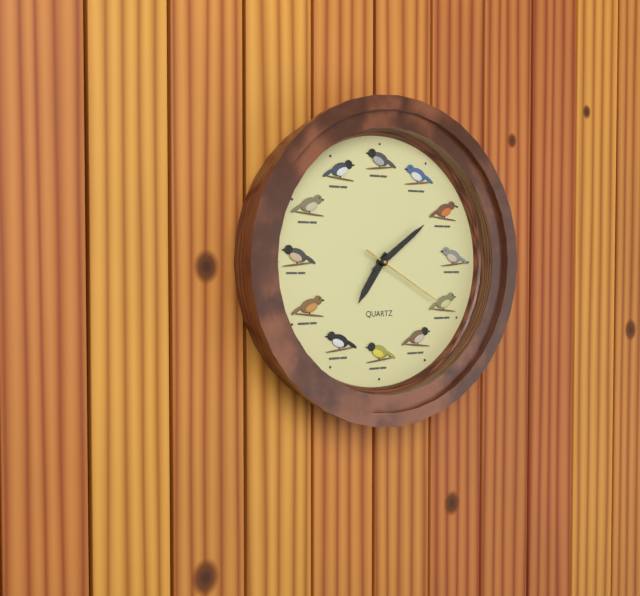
7:09:20
